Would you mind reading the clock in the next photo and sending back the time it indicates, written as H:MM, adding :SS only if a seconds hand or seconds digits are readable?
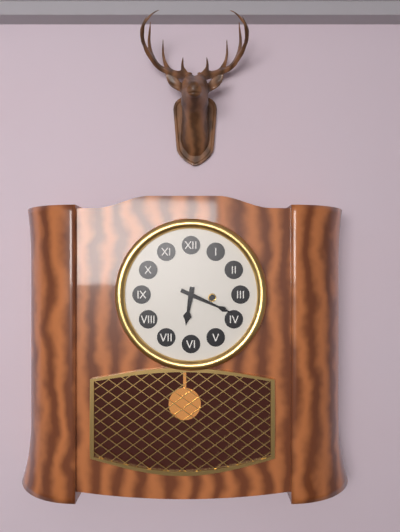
6:19
